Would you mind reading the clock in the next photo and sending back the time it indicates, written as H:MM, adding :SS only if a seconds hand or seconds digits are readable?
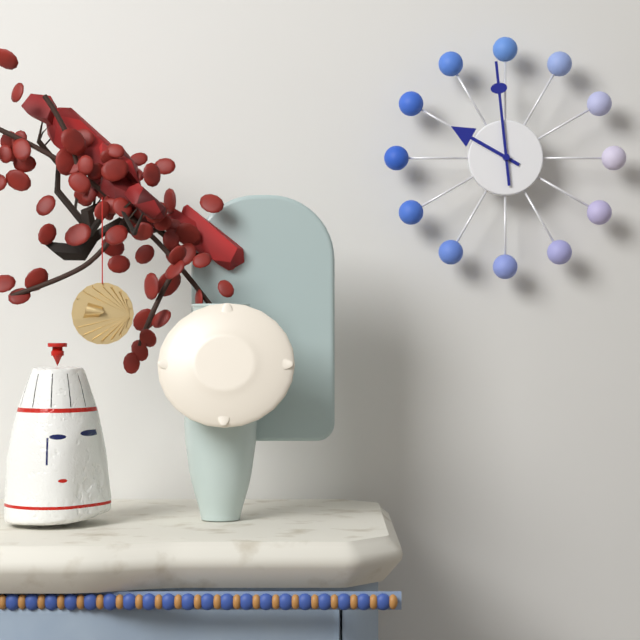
9:59
